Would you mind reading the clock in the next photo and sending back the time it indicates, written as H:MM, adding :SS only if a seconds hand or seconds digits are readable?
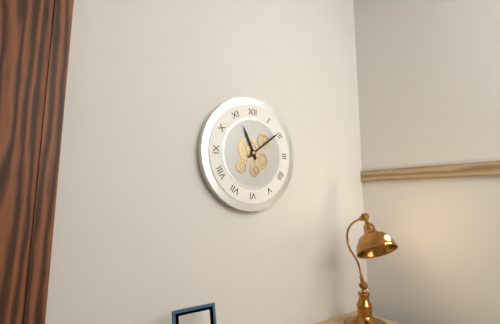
11:09
